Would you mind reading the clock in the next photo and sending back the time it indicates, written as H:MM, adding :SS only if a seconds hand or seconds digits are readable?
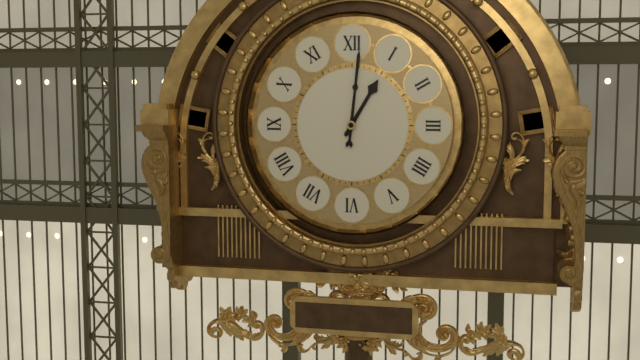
1:01
